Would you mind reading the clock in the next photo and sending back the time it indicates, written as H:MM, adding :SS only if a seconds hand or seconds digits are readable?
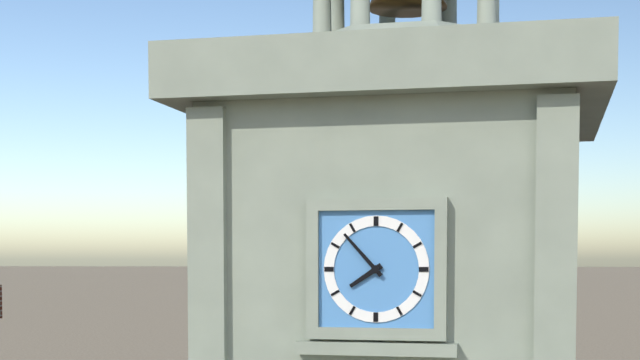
7:53
